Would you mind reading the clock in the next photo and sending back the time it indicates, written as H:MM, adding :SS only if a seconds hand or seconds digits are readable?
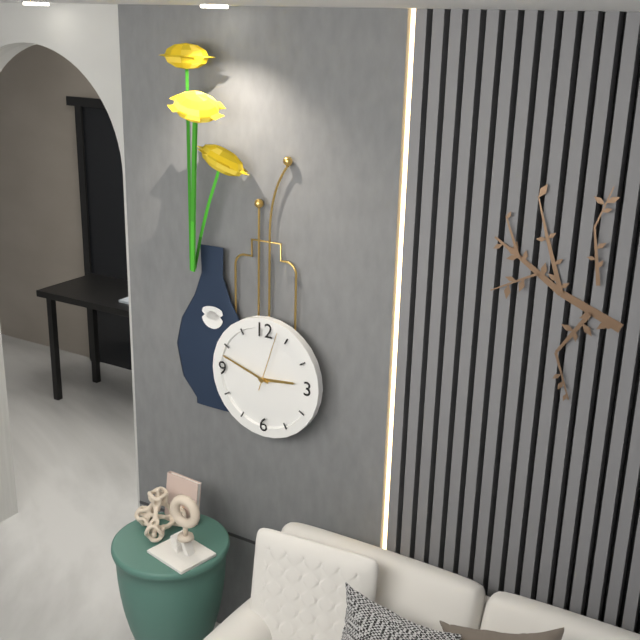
2:48:03
